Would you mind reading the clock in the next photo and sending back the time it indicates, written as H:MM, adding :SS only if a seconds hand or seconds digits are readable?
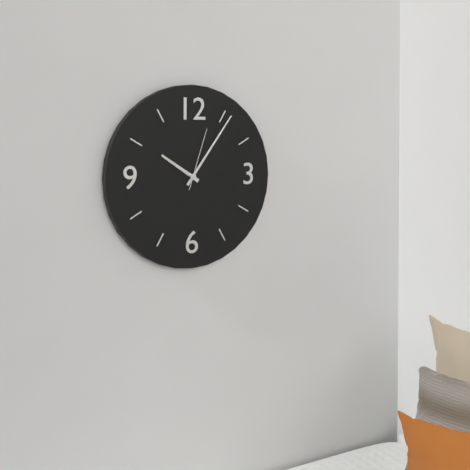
10:06:03
